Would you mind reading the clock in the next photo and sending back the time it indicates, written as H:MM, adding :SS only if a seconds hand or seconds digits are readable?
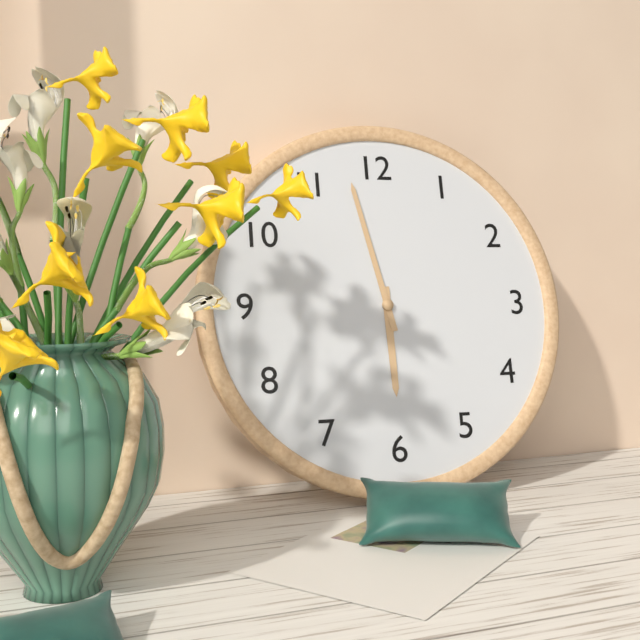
5:58
